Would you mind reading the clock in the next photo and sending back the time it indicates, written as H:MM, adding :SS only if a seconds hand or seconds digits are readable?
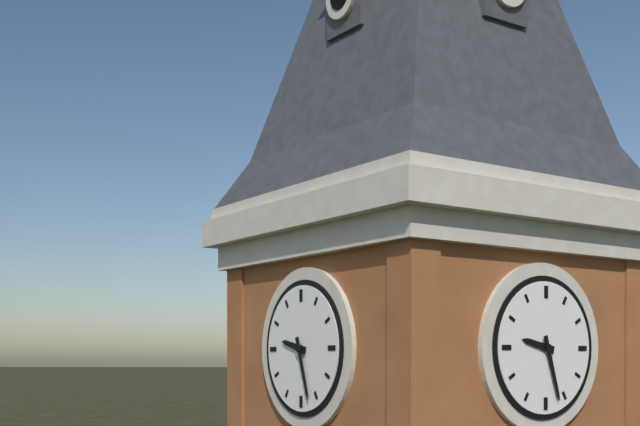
9:27
